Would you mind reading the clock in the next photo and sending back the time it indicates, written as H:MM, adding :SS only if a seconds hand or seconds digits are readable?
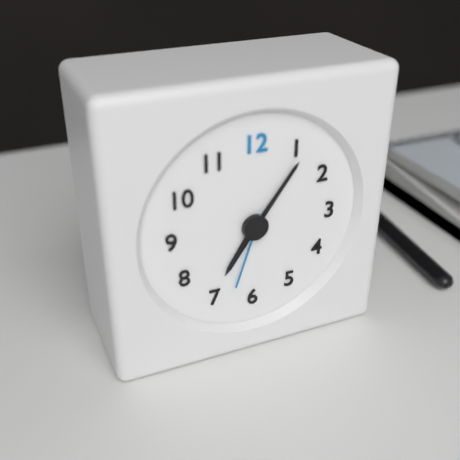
7:06:33
